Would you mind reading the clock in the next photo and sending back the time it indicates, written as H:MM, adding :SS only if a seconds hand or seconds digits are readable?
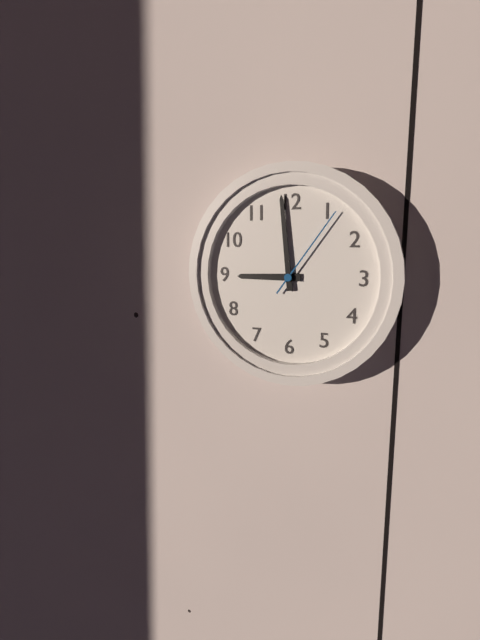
8:59:06
